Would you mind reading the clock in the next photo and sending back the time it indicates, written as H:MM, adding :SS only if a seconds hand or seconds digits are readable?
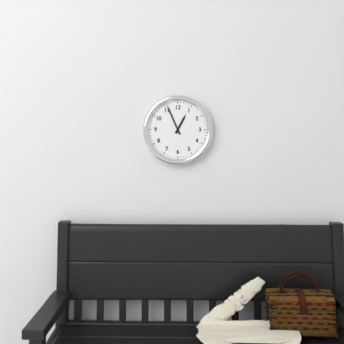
12:56
